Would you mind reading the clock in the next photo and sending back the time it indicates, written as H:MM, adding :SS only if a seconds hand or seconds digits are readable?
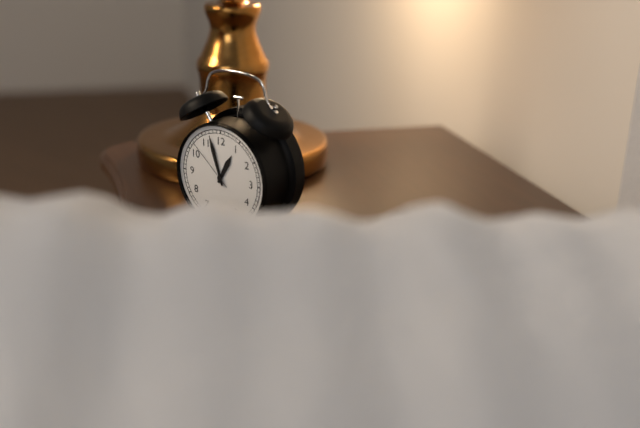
12:57:52
